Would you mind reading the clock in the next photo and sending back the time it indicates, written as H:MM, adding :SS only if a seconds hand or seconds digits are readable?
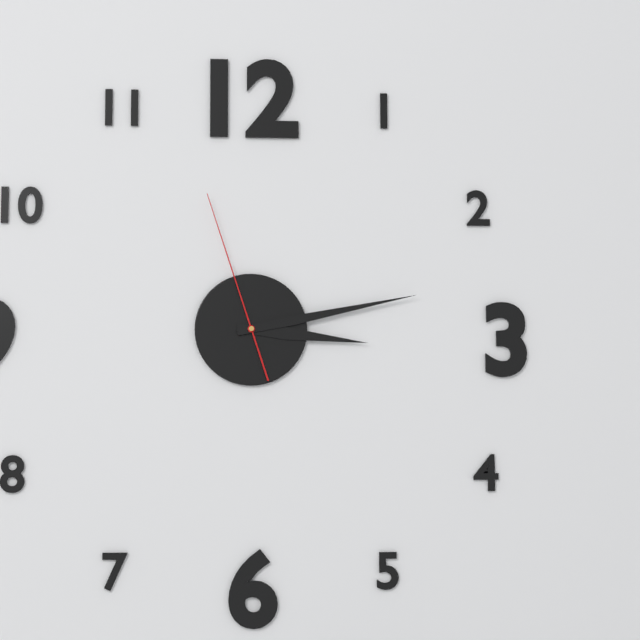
3:13:57
